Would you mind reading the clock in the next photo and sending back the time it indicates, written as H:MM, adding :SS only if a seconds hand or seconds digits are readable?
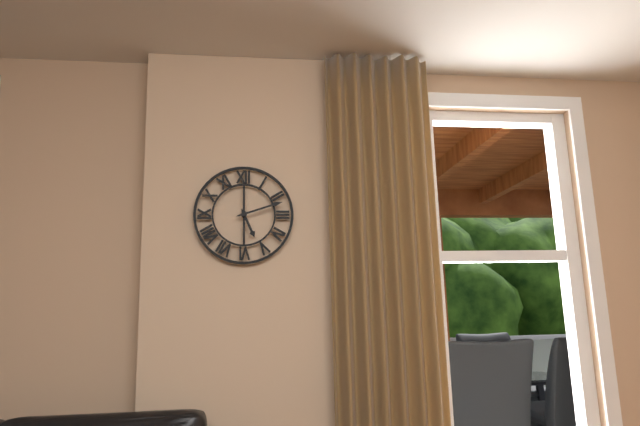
5:12
